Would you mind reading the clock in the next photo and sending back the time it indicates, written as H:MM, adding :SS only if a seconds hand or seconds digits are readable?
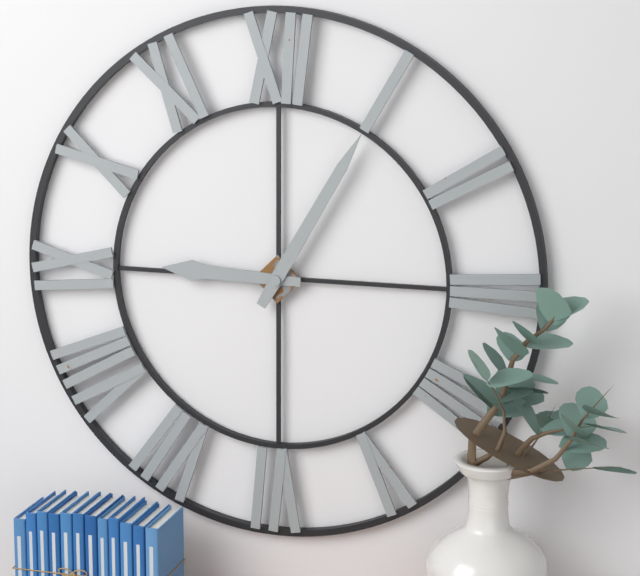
9:05
